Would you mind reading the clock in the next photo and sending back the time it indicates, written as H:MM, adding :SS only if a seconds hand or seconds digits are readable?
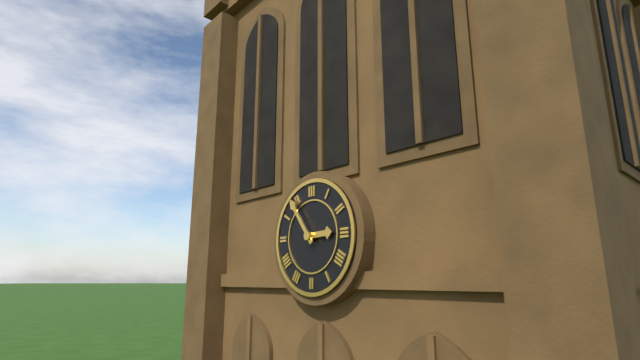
2:54
